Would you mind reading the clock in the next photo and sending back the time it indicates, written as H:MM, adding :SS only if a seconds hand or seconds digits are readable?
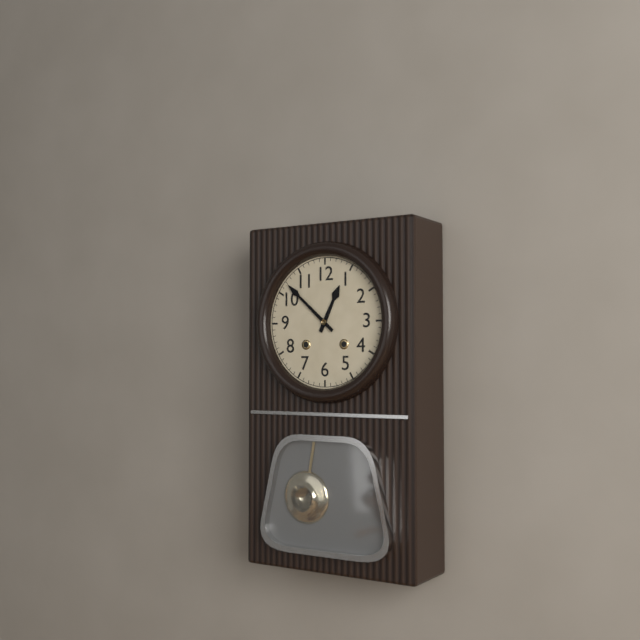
12:52
